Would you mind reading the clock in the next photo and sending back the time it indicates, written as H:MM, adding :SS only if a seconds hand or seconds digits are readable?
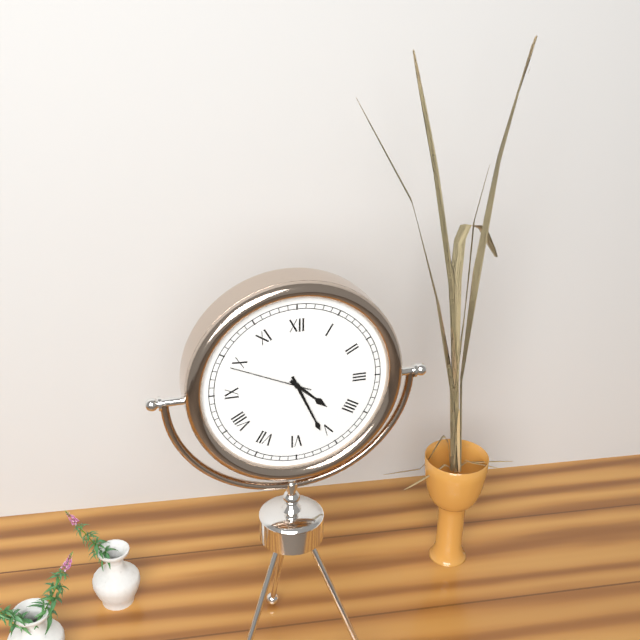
4:26:49
